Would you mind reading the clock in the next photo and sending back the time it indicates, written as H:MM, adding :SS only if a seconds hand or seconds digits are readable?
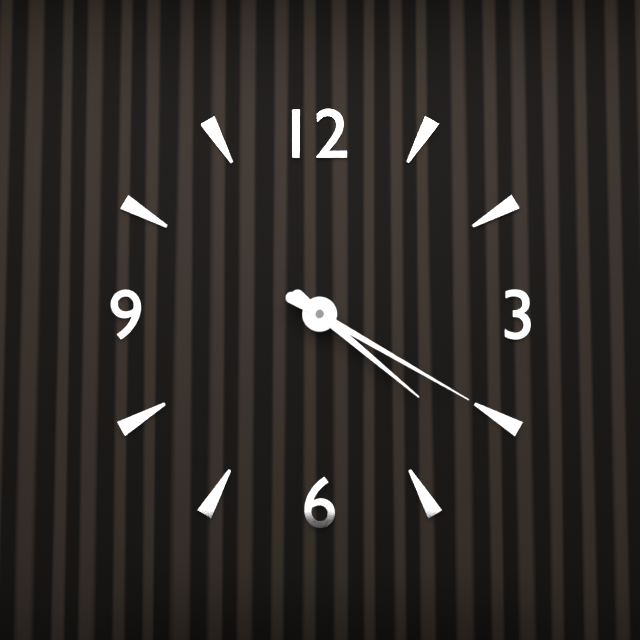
4:20
